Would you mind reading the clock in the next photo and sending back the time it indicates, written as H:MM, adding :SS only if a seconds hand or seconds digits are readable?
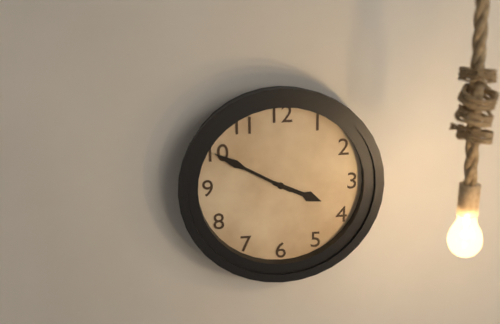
3:50
